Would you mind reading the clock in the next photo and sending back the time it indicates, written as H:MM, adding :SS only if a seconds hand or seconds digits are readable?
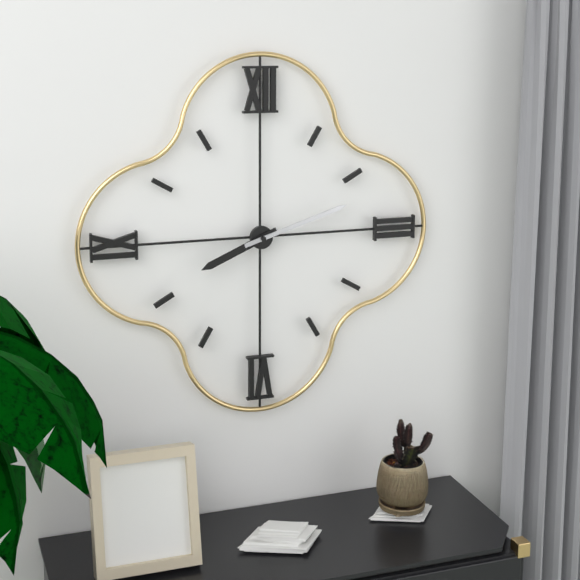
8:12
